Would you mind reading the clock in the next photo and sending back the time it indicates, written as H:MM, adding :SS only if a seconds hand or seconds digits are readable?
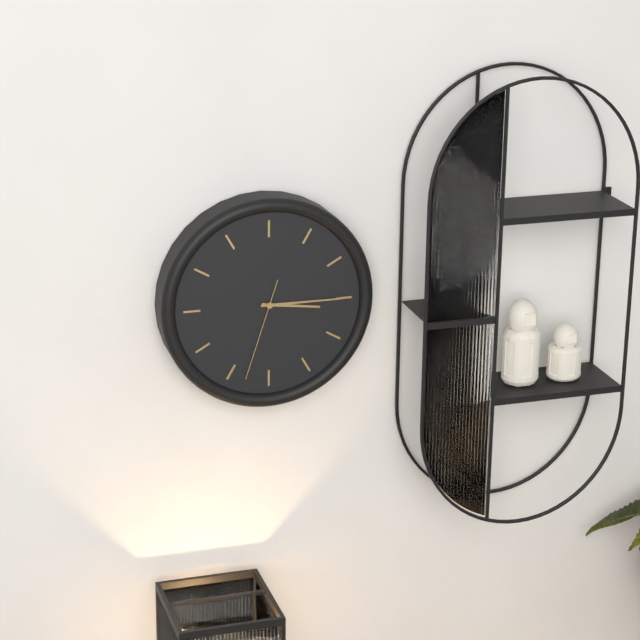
3:15:33
